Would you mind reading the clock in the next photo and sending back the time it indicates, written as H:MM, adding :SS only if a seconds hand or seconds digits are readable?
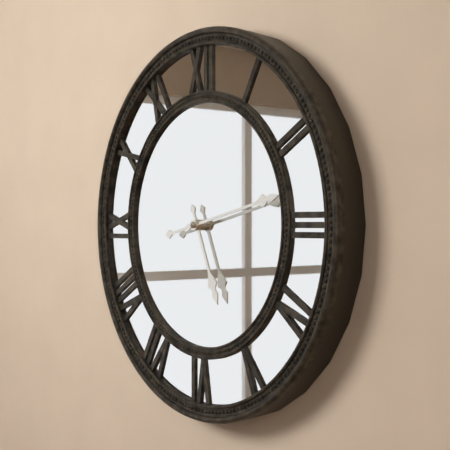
5:13
